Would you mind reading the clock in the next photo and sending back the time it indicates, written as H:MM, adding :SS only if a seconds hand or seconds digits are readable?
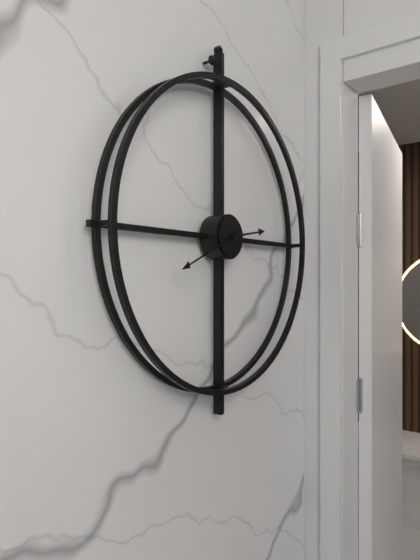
2:41
